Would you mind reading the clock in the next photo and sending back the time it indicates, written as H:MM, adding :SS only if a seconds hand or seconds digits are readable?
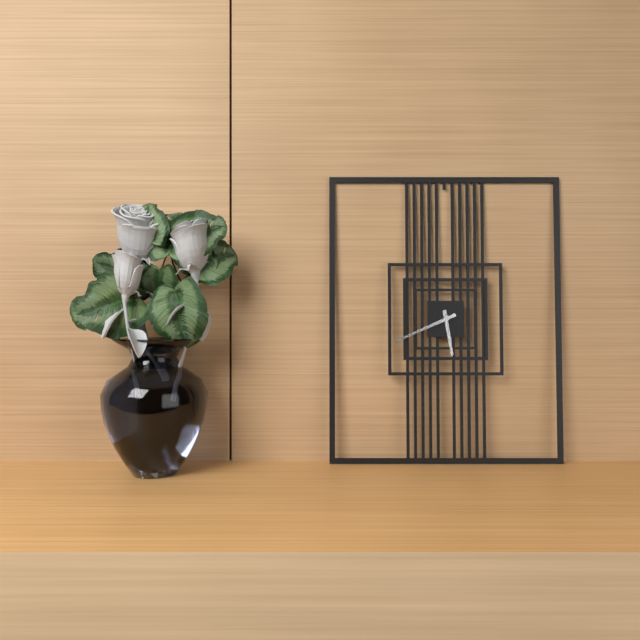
5:41
